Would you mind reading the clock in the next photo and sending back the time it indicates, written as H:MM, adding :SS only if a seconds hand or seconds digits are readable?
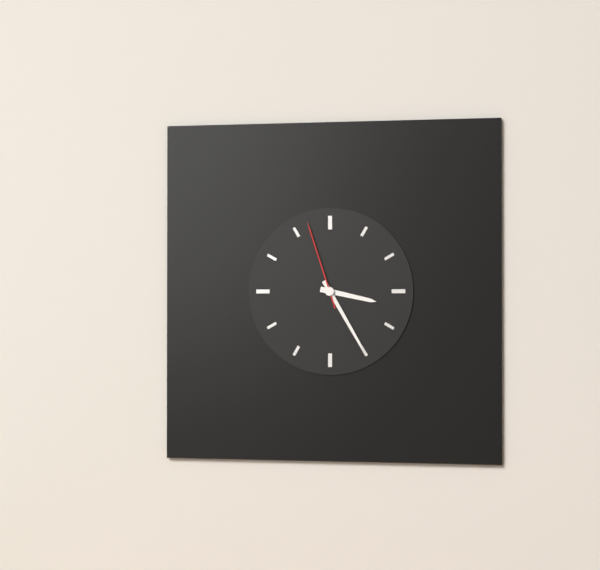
3:25:57
